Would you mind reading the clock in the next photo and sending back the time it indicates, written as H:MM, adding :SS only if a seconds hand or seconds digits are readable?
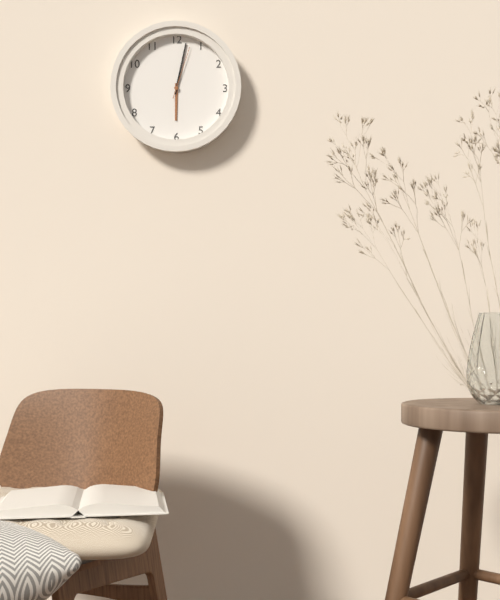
6:02:03
